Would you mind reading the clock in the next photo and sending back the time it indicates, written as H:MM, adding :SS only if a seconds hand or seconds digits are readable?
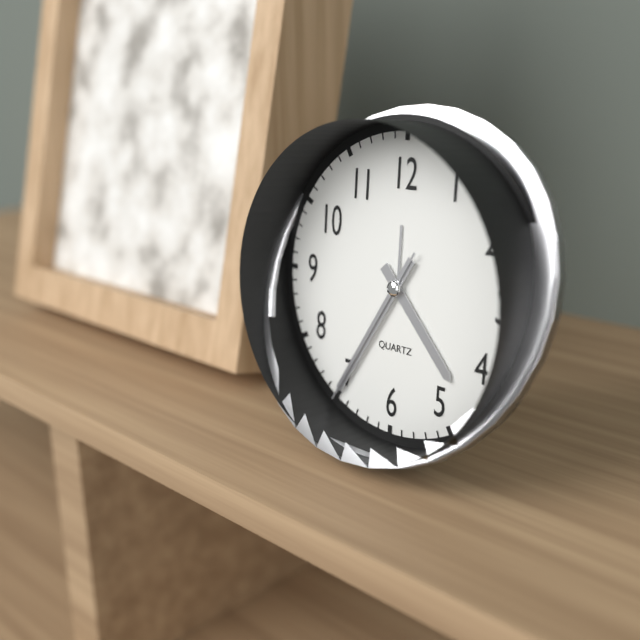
4:35:35
